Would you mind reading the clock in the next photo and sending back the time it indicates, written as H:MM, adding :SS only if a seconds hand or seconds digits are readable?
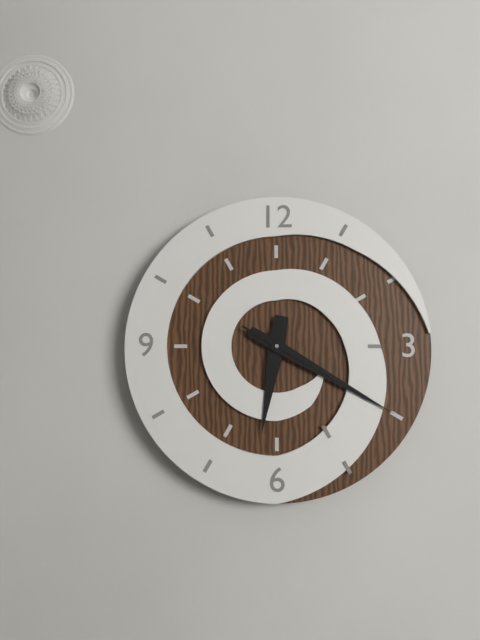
6:20:20
